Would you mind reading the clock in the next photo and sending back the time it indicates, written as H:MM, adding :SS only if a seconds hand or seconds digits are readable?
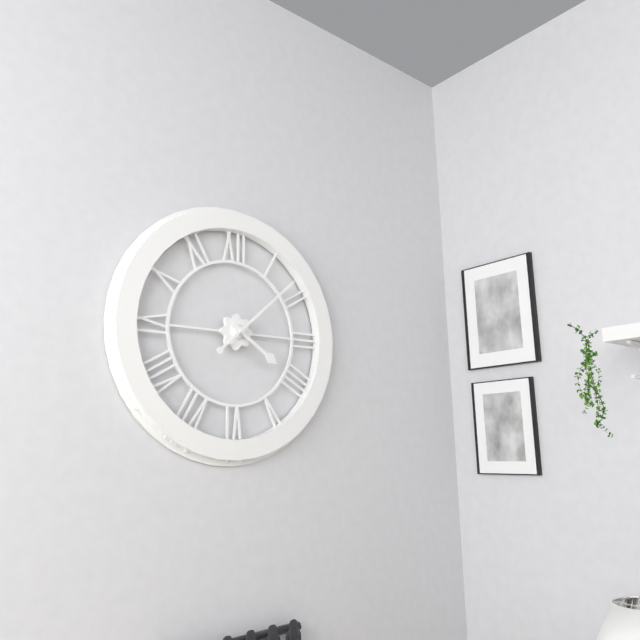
4:08
